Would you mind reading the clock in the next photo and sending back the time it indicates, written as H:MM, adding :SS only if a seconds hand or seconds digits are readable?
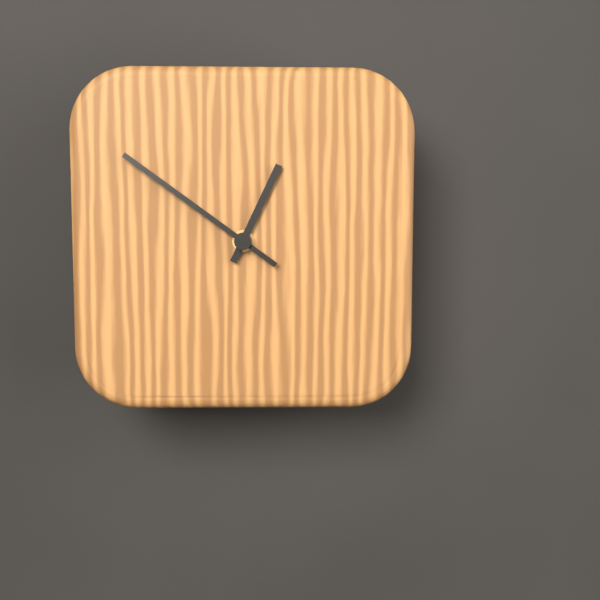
12:51
